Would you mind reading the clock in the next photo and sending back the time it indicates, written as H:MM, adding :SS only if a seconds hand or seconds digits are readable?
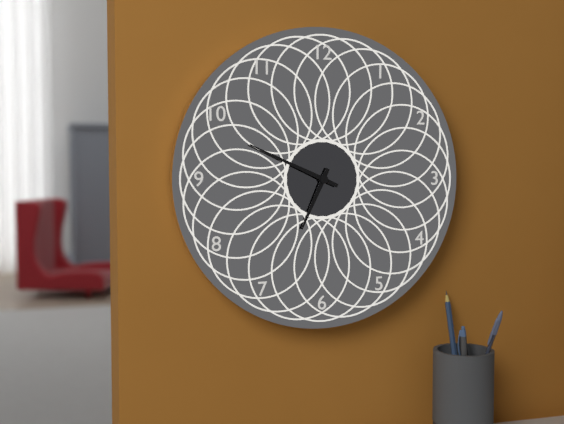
6:49
